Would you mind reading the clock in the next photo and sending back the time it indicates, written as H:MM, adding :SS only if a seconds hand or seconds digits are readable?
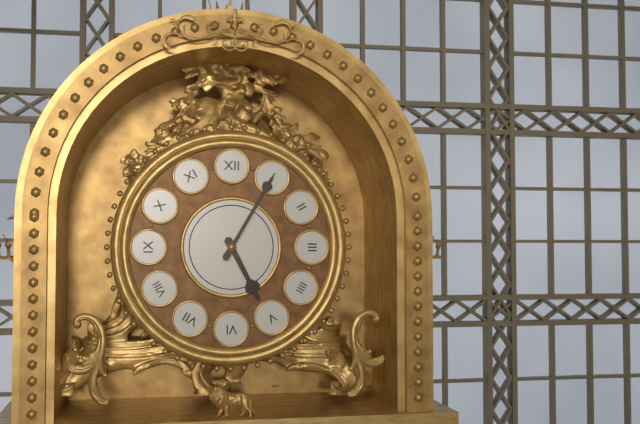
5:05
